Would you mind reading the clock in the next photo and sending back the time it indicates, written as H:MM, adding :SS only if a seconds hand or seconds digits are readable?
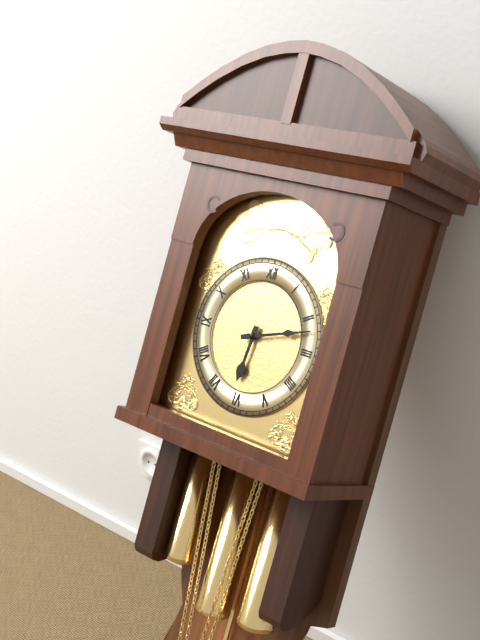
6:12
